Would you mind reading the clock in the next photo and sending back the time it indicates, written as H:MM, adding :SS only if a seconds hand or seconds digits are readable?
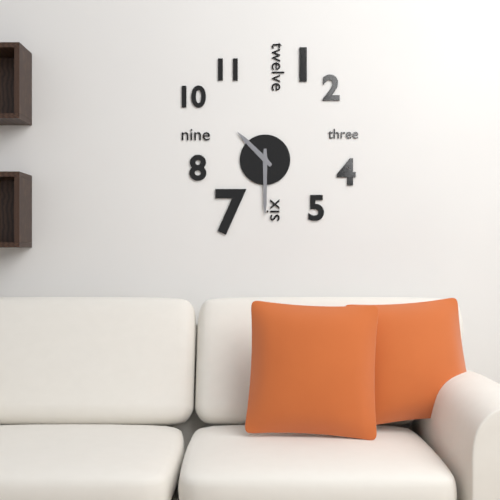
10:30
